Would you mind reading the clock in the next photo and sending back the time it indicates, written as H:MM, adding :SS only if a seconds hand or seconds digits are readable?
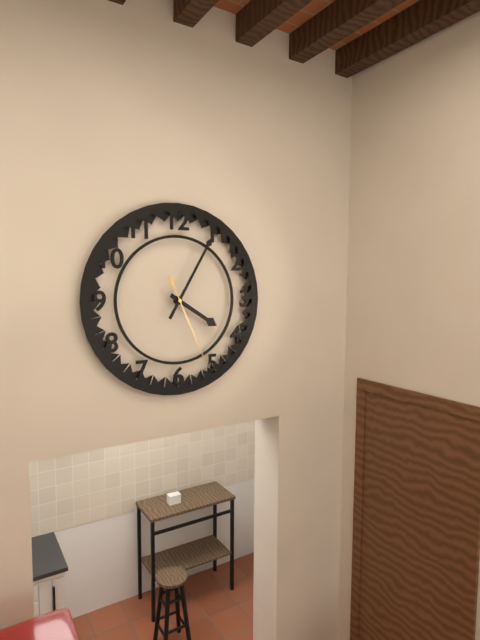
4:05:26
